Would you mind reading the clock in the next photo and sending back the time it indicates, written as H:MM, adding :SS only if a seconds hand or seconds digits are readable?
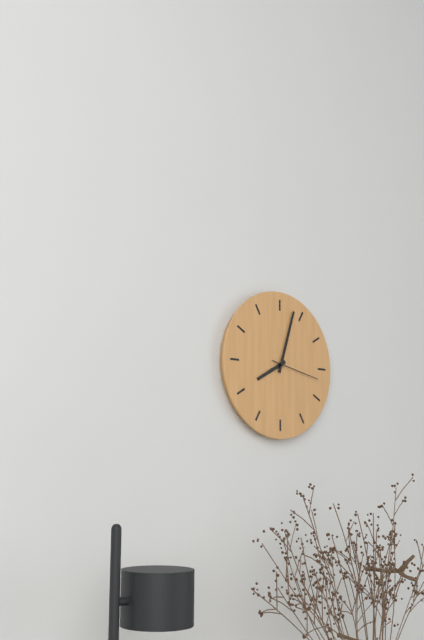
8:03:17
